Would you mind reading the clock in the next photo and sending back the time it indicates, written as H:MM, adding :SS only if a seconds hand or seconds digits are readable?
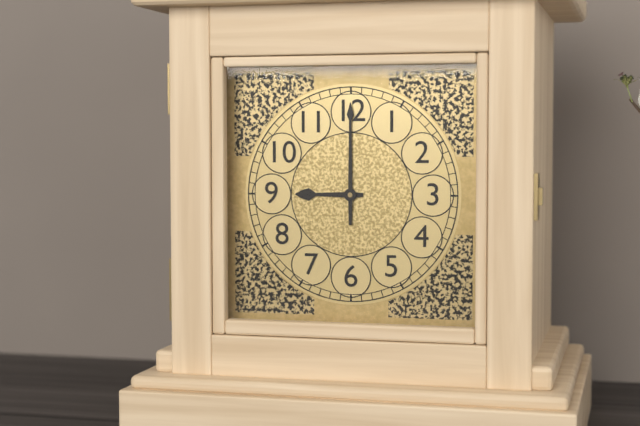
9:00
